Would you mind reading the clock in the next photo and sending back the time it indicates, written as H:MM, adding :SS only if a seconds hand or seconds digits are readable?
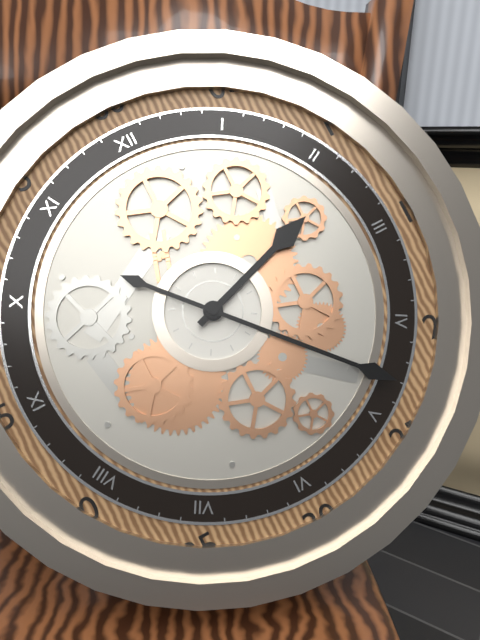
2:23
